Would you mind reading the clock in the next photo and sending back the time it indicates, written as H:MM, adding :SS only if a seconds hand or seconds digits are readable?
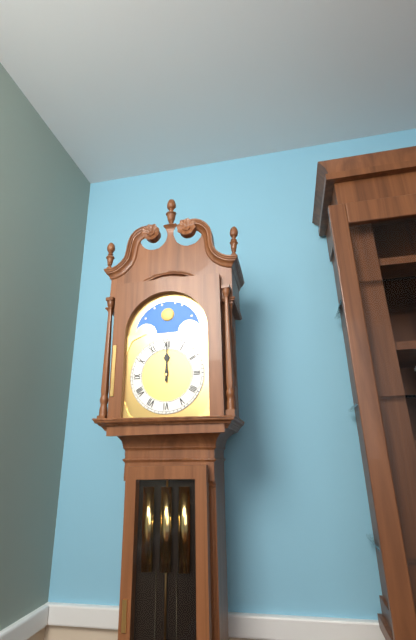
12:00
